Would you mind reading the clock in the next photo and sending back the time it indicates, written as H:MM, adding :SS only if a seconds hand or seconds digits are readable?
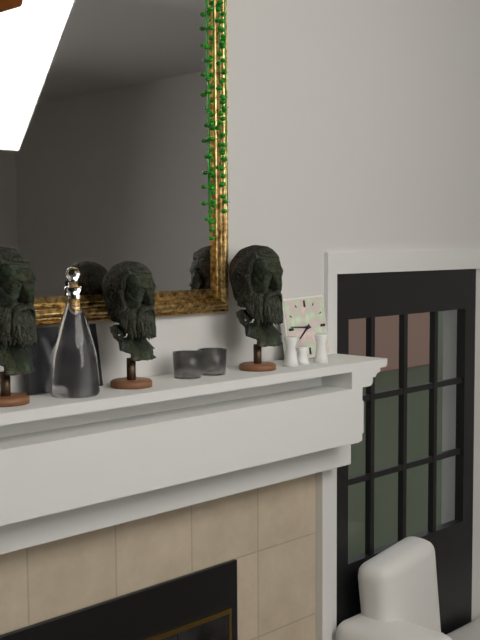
7:46
